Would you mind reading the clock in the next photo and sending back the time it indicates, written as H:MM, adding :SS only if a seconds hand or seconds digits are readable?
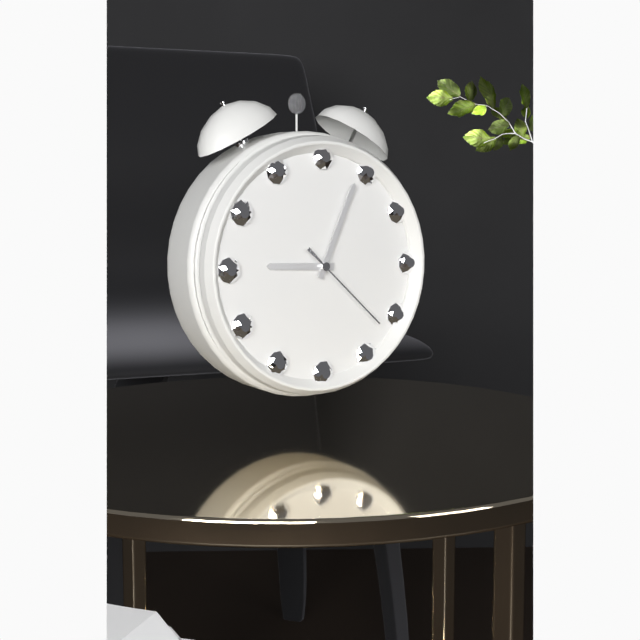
9:04:22
